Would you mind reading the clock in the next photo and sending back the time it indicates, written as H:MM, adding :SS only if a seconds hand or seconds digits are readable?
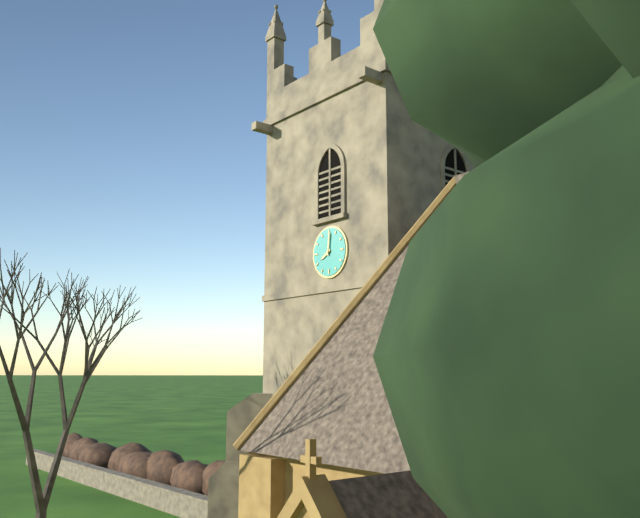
8:01
